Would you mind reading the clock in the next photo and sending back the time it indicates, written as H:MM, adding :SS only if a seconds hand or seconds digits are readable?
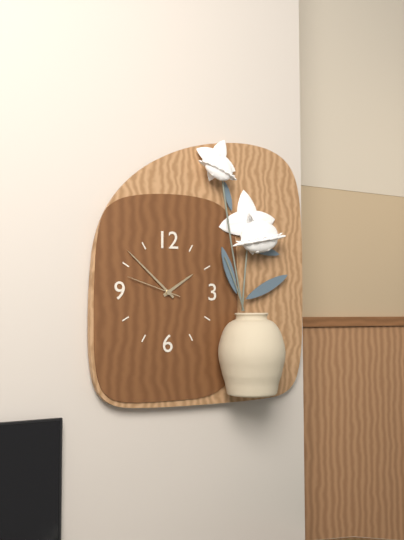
1:52
